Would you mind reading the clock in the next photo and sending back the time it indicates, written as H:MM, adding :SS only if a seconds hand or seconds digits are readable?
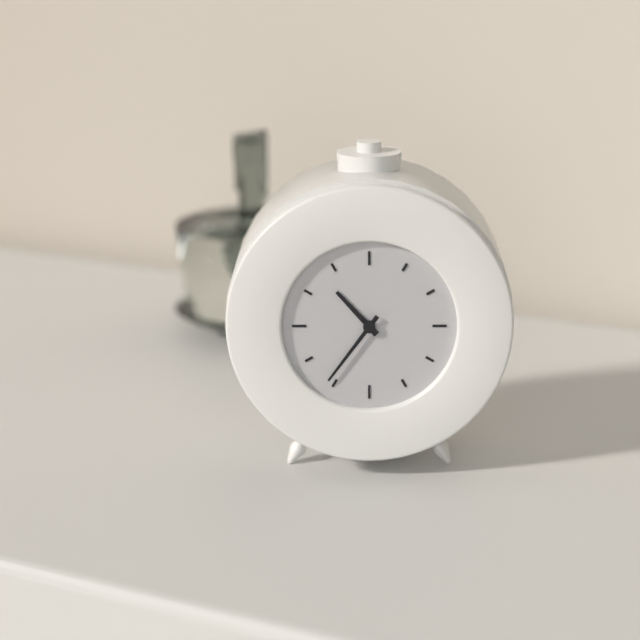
10:36
